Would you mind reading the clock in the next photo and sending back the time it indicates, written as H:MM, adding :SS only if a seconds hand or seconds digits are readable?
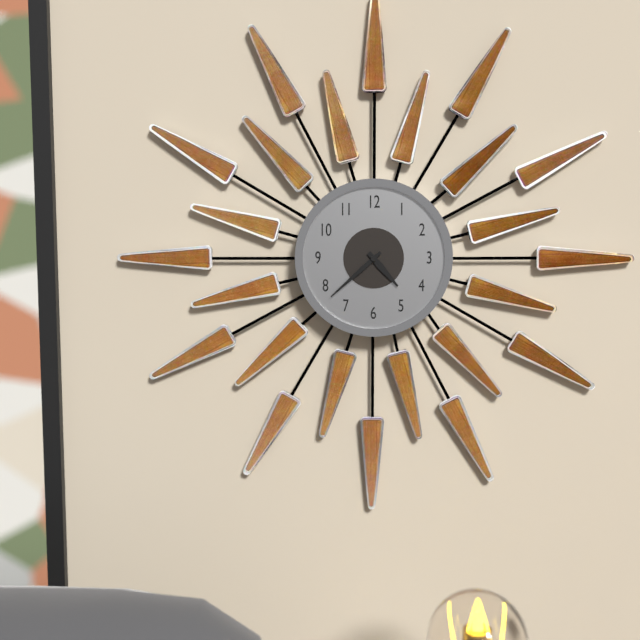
4:38
